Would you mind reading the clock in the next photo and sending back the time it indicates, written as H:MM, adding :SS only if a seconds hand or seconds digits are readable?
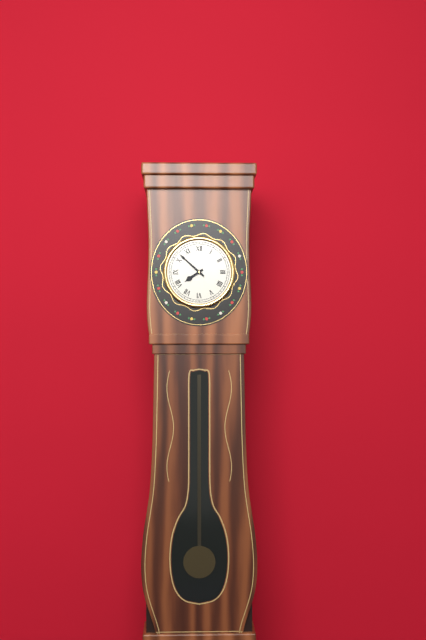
7:52
